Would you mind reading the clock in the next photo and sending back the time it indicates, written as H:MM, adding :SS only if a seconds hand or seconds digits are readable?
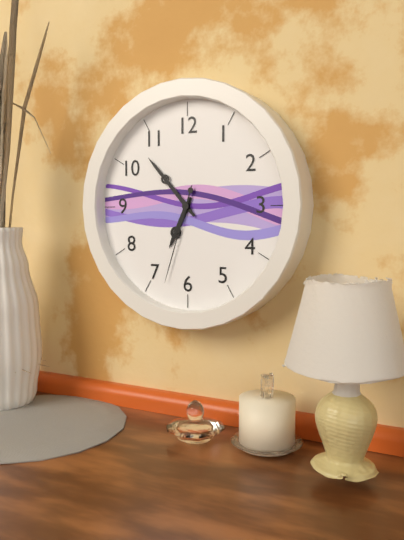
6:53:33
